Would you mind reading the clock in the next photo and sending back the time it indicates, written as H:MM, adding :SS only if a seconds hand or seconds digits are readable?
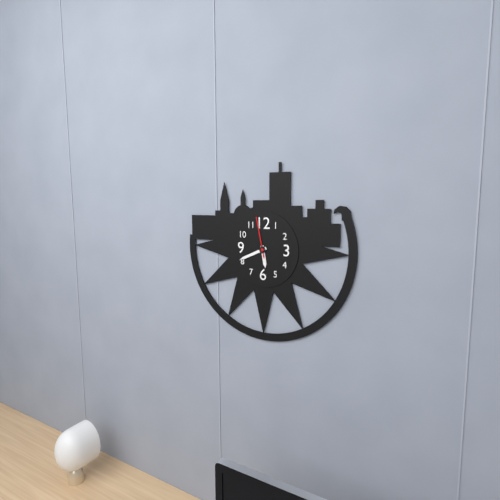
5:41
